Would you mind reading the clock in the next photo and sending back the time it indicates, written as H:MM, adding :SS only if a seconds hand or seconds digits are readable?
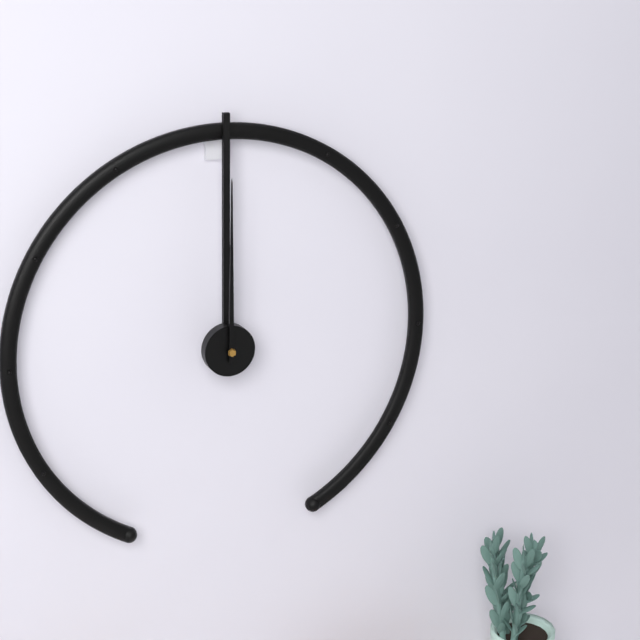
12:00
